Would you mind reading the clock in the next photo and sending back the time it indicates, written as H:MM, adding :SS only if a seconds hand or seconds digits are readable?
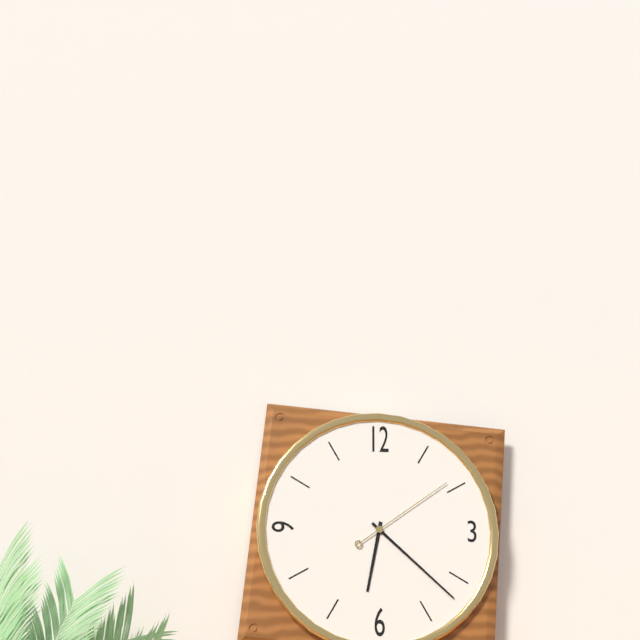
6:22:09
